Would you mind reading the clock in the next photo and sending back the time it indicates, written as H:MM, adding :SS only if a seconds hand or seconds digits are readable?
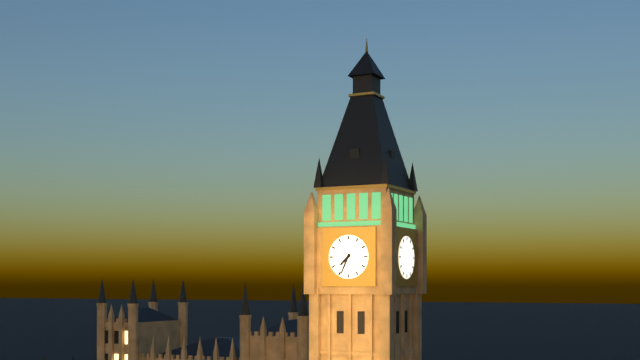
7:34
